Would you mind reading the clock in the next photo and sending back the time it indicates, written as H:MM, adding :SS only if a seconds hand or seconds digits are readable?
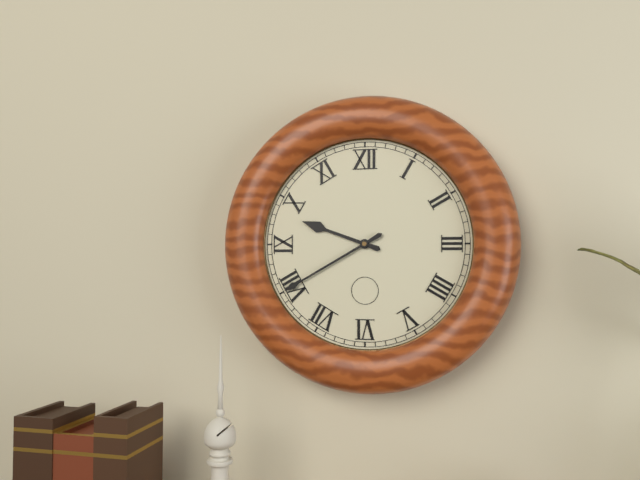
9:40
